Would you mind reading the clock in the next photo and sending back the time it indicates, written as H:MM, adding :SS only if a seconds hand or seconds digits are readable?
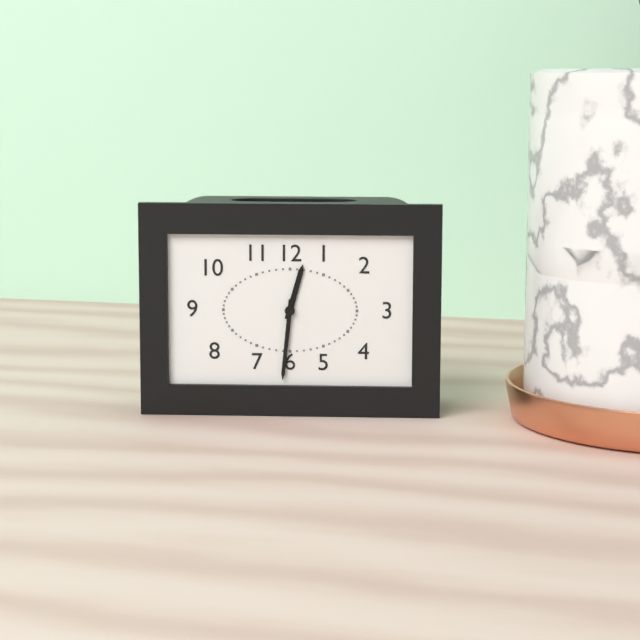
12:31
